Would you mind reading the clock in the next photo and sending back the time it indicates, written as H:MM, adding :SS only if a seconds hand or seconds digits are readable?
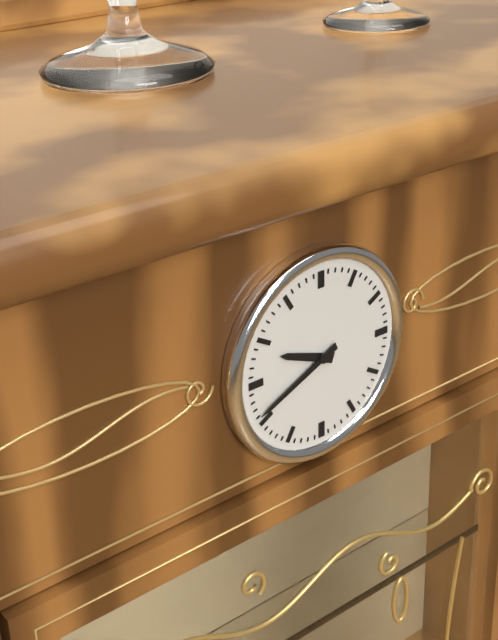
9:41
